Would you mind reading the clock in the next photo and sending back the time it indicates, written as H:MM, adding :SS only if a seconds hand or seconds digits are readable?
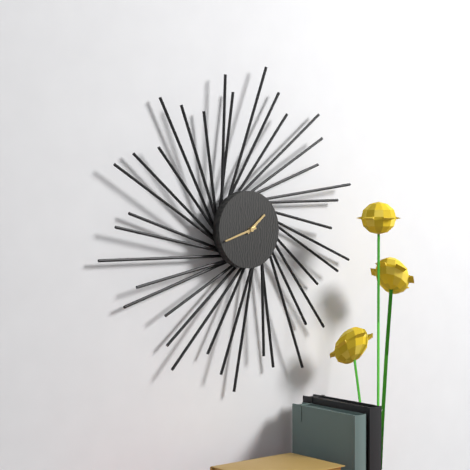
1:42
